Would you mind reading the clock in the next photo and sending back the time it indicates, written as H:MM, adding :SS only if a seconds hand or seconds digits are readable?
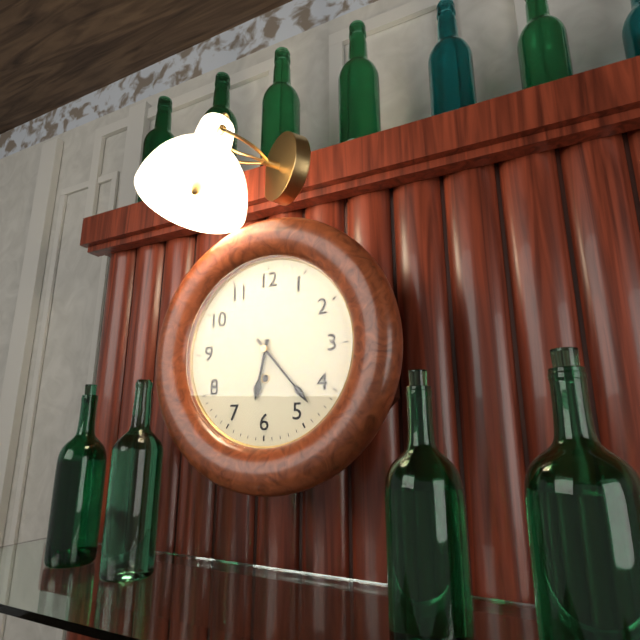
6:23
